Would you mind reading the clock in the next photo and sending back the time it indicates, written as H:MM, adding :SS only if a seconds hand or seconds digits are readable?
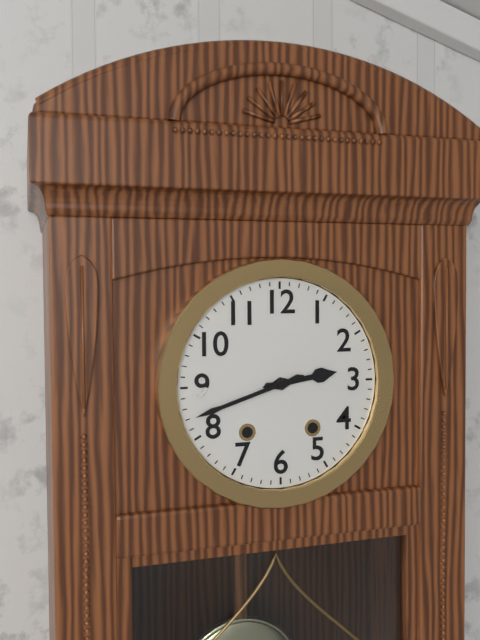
2:42
